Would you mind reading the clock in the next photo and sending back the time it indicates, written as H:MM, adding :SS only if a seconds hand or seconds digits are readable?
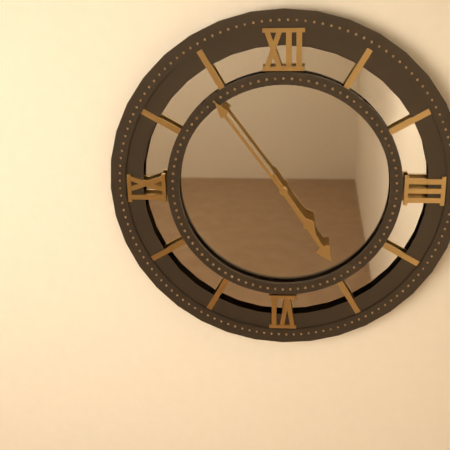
4:54
